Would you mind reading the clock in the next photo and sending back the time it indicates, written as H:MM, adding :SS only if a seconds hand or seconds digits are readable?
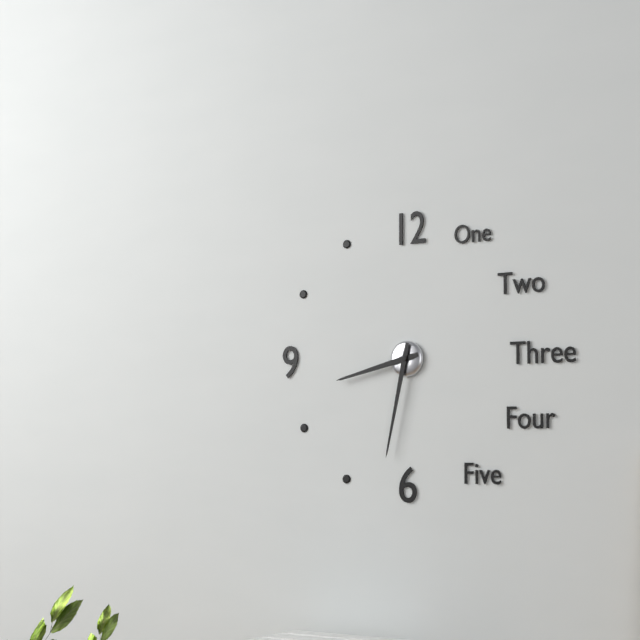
8:32
